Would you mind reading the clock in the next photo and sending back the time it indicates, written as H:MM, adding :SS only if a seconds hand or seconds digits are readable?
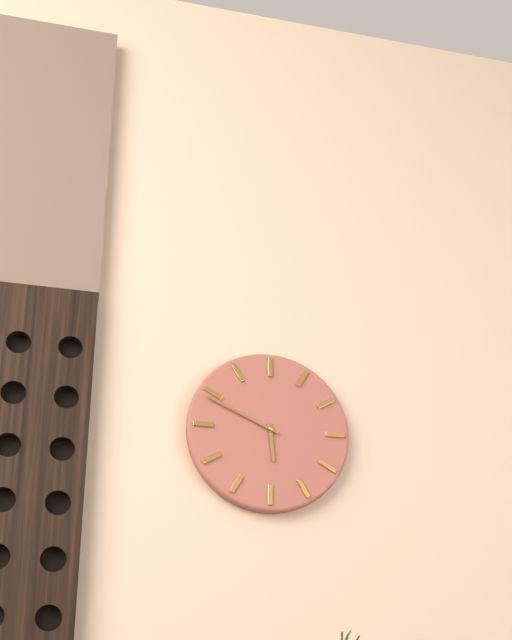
5:49
